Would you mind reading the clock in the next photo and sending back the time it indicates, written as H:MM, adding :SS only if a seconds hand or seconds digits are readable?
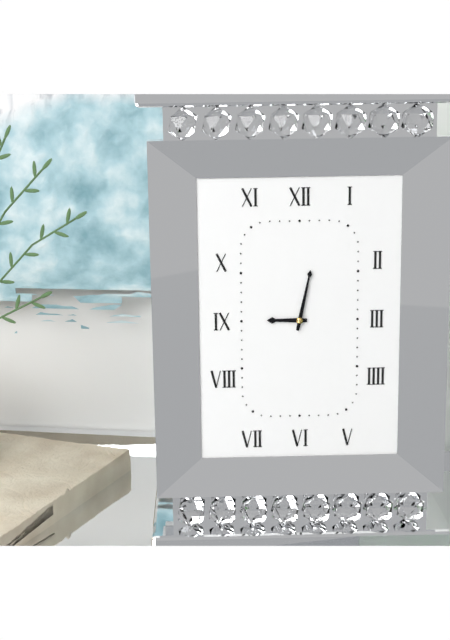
9:02
